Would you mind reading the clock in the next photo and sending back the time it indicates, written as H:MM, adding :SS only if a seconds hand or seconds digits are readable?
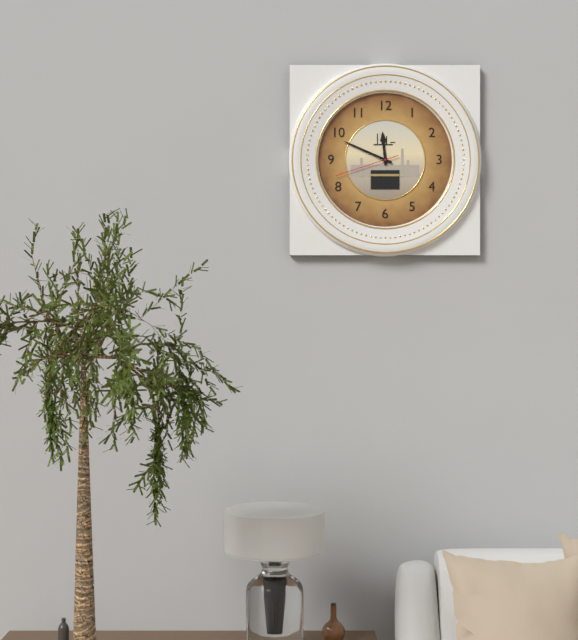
11:49:42
